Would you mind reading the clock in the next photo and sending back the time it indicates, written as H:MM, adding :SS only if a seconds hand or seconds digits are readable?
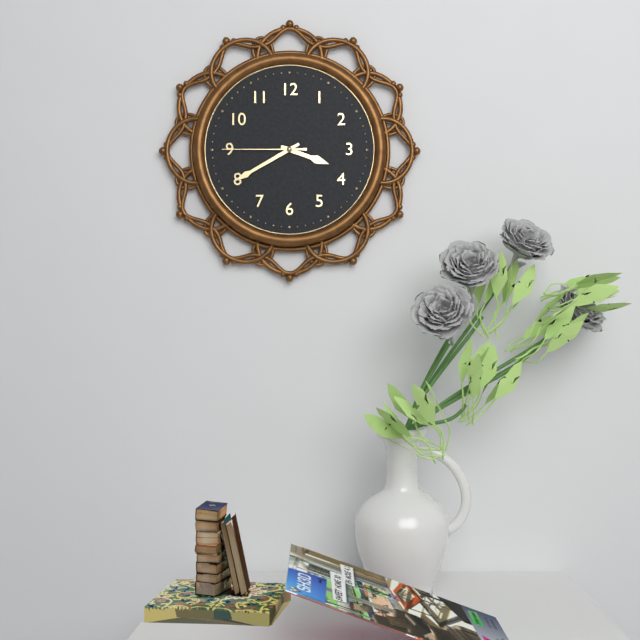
3:40:45
